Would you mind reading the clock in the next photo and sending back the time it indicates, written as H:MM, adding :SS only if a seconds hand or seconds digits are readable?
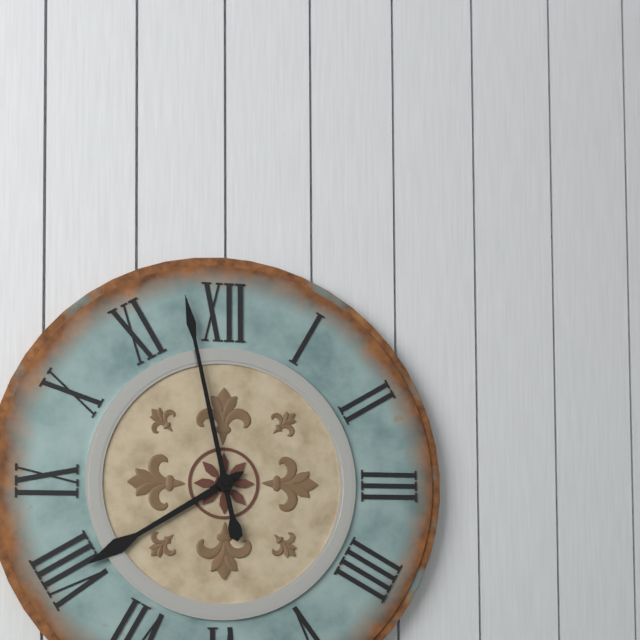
7:58
